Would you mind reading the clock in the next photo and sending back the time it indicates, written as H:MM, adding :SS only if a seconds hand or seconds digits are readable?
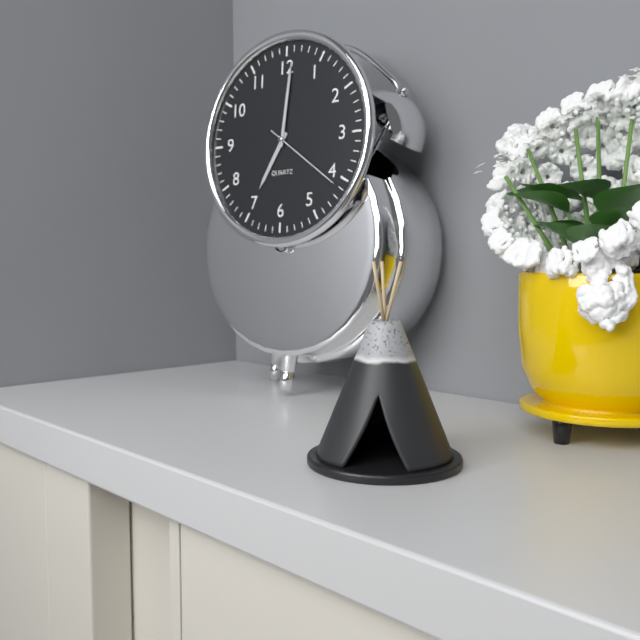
7:01:21
